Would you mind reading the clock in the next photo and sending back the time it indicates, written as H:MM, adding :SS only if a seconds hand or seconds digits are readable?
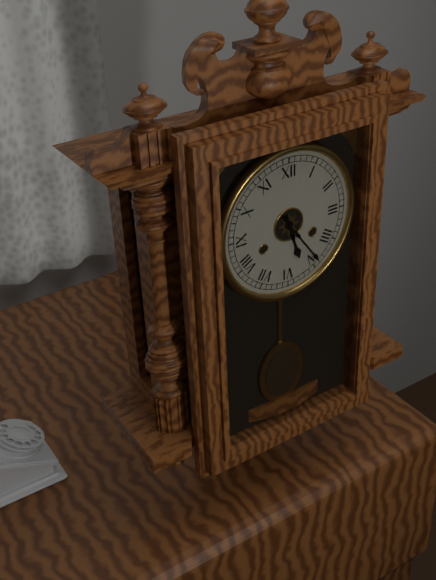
5:24
